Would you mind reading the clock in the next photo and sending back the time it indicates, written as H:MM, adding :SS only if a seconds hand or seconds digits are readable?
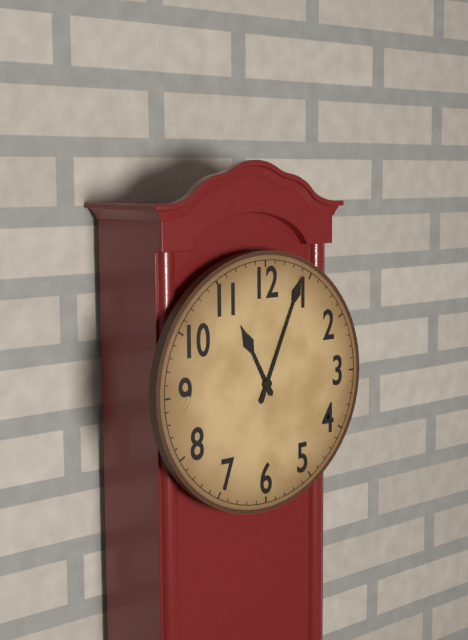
11:04
